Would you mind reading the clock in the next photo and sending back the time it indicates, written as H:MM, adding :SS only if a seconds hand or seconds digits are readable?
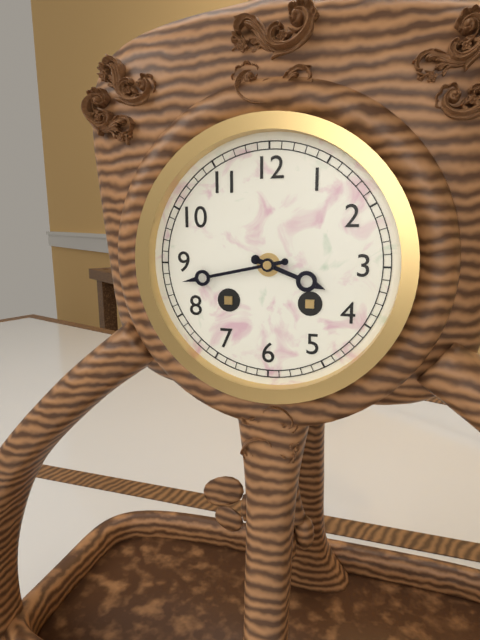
3:43
